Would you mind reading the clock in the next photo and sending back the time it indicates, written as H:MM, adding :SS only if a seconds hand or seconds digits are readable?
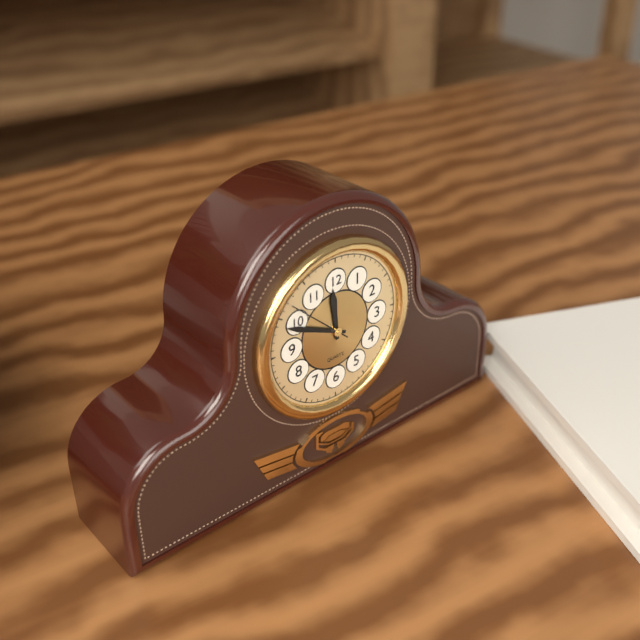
11:49:52
